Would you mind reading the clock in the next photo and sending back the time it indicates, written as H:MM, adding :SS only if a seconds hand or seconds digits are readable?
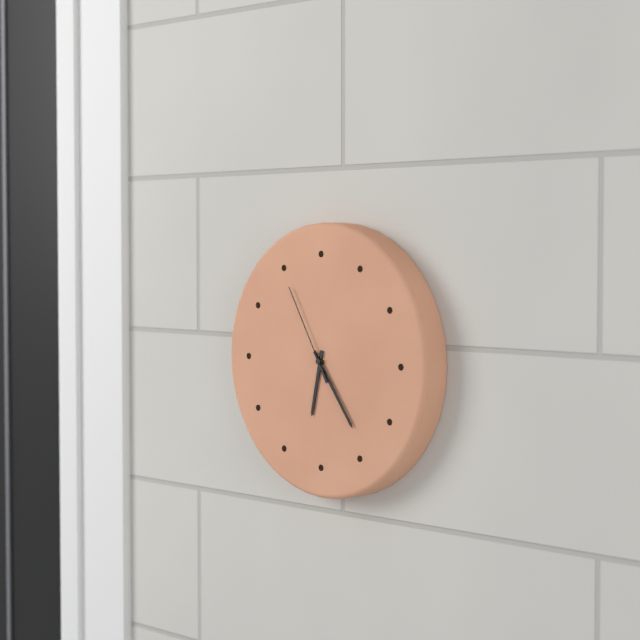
6:24:55
